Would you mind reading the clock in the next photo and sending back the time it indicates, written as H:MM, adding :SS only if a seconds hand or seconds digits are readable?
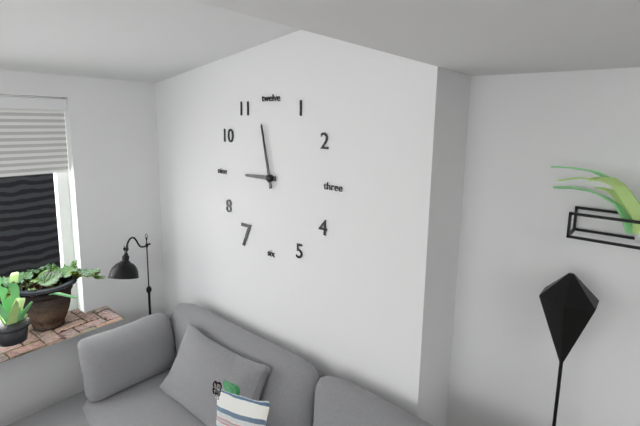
8:58
